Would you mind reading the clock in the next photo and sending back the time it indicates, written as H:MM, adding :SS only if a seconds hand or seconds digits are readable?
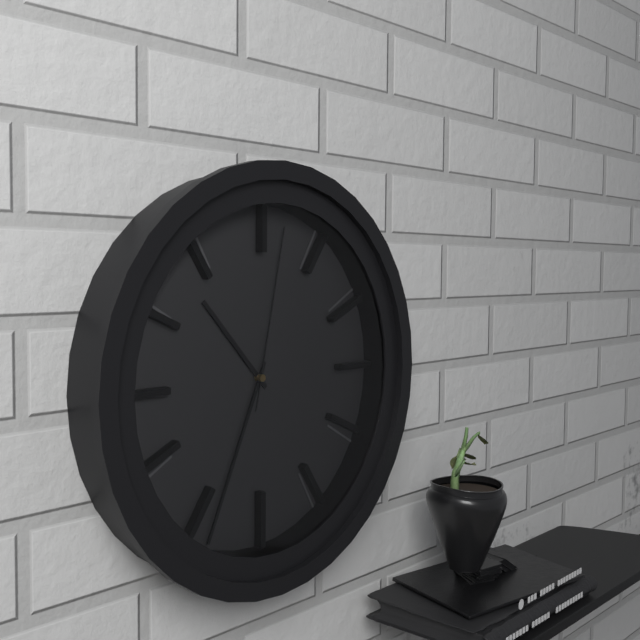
10:34:02
